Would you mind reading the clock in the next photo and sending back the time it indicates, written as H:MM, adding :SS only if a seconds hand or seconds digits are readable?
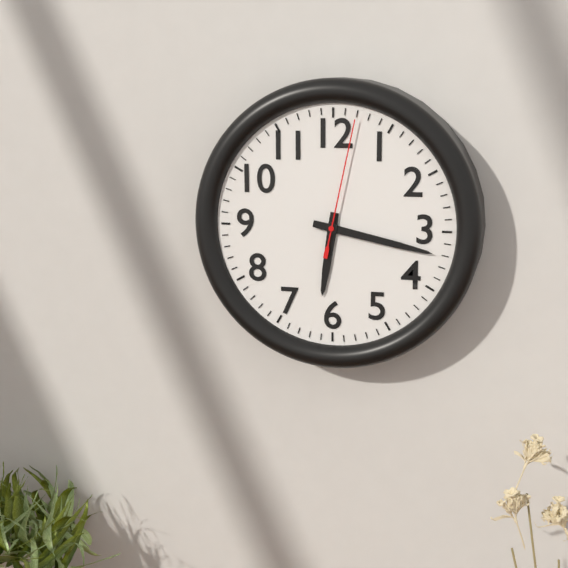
6:17:02
